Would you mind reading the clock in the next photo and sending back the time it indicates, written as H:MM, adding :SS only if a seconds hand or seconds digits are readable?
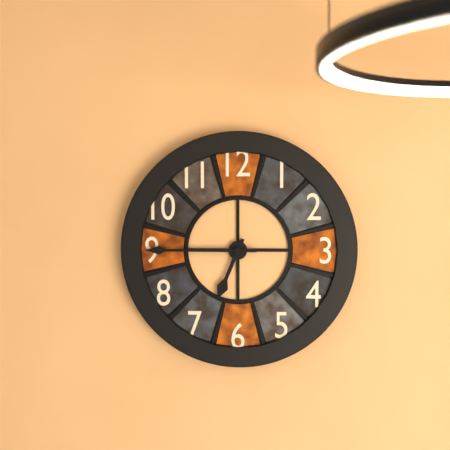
6:45
